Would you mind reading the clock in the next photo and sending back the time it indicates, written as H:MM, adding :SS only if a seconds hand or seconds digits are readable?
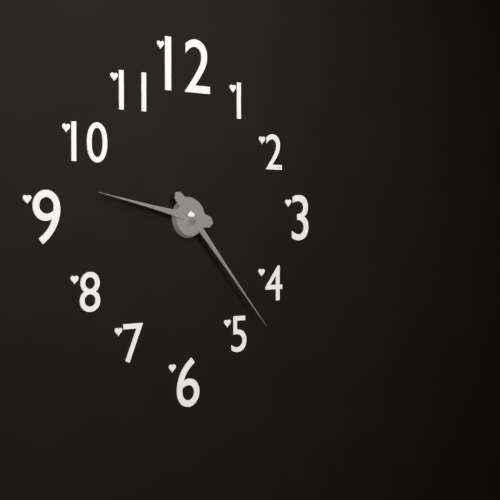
9:23
